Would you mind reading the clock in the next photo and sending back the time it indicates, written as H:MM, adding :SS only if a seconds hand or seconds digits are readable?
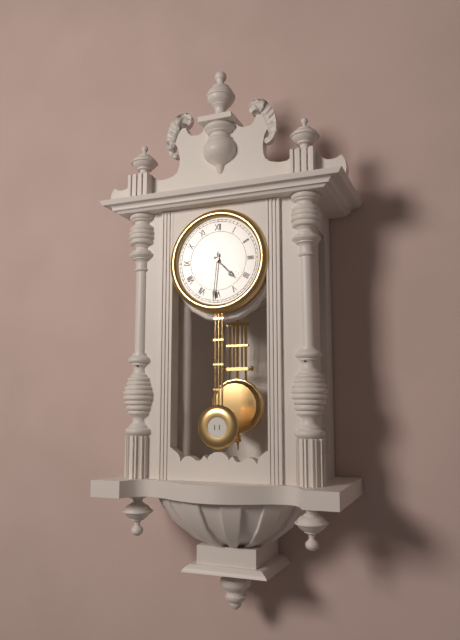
4:31
